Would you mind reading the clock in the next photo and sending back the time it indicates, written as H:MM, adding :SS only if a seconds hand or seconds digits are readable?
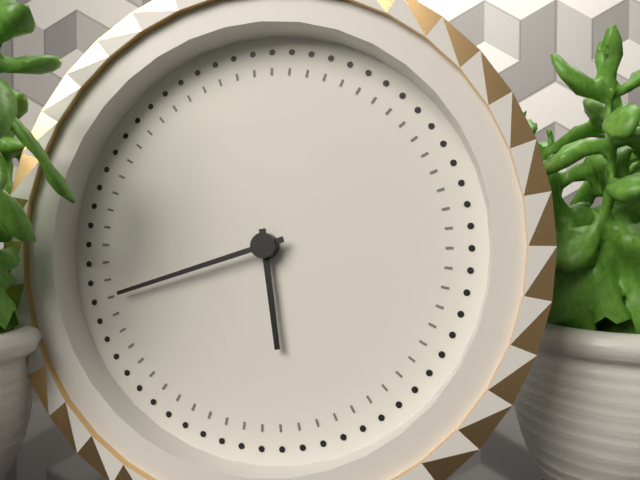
5:42
